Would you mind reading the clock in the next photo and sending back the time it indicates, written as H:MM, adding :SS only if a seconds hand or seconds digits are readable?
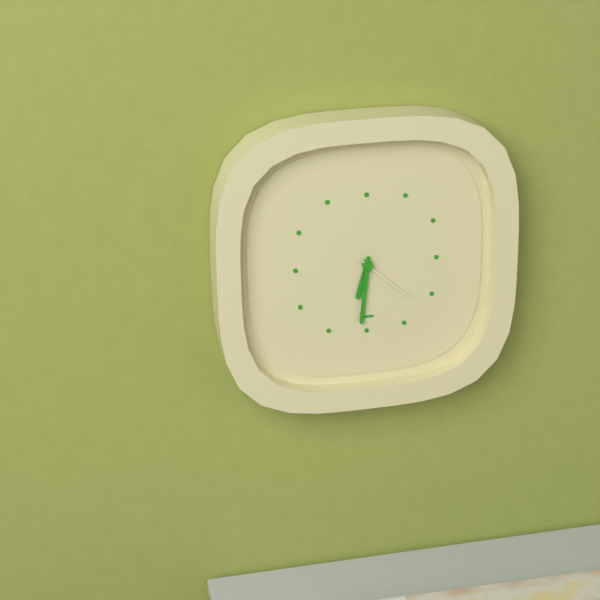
6:31:22
